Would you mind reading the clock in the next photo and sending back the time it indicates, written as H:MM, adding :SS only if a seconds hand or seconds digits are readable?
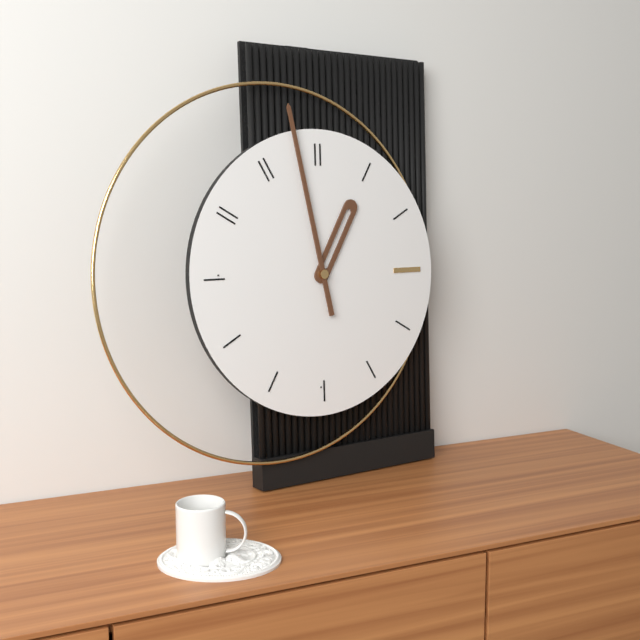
12:58
